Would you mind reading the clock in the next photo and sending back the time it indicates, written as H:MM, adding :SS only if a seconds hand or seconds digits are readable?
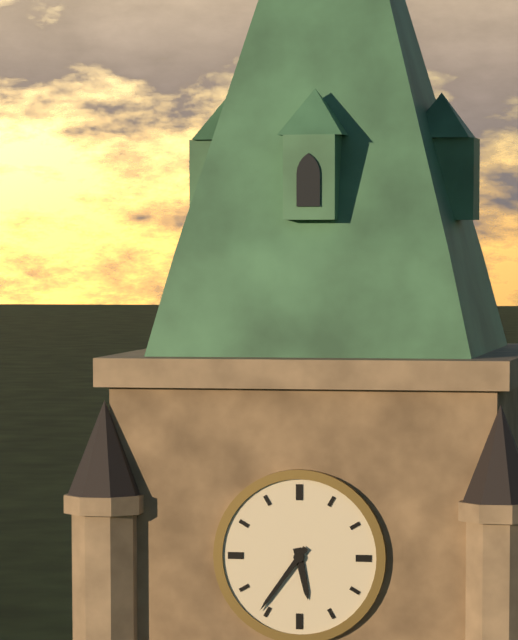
5:36
